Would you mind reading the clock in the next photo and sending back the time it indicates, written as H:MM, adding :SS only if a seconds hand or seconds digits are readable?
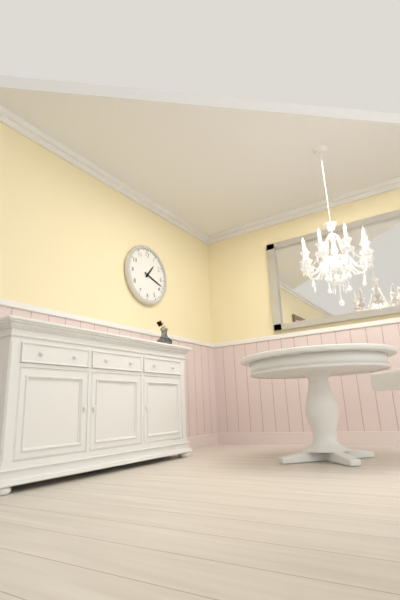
1:18
